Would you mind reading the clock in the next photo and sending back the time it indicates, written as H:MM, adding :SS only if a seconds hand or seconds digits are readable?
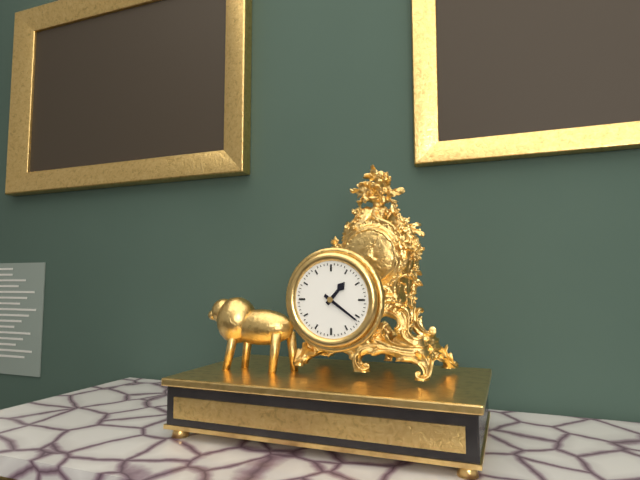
1:21
